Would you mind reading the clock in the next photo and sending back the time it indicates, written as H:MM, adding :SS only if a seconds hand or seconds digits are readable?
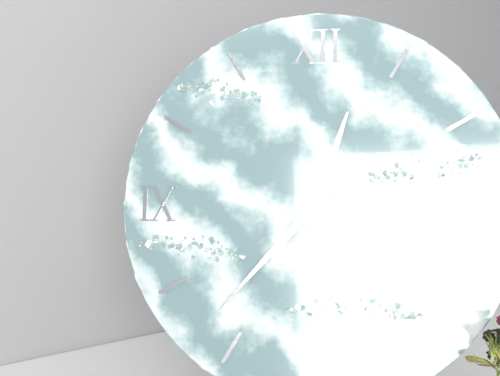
12:37
